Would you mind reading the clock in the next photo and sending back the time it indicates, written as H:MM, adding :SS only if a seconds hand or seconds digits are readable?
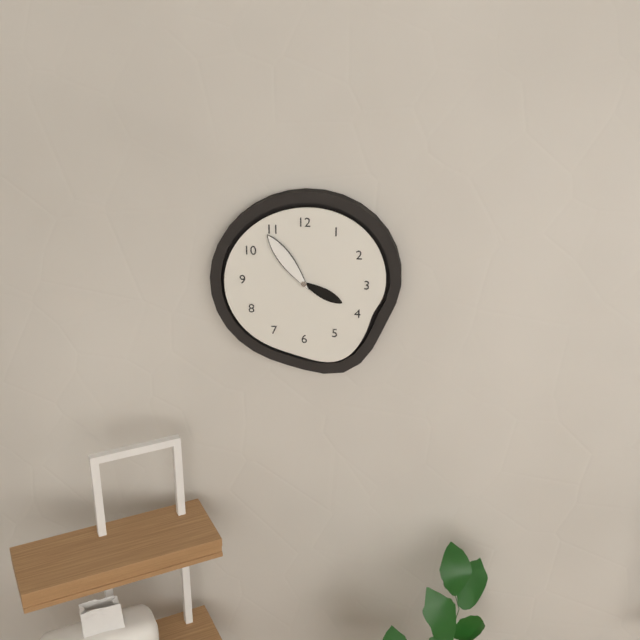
3:54
